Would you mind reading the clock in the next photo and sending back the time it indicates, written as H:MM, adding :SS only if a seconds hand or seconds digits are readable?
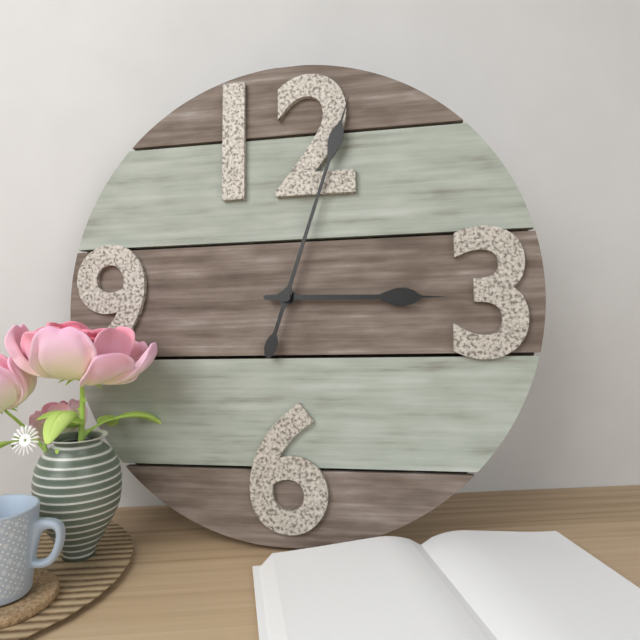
3:03
